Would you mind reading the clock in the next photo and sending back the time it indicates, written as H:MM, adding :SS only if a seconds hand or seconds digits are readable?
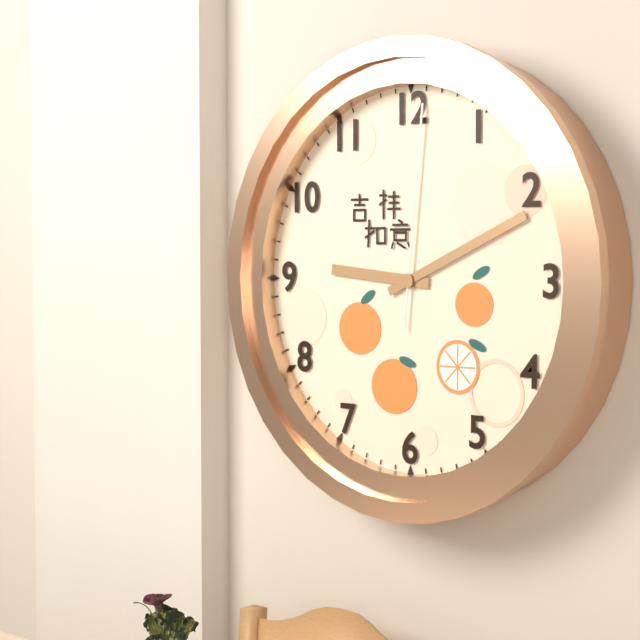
9:11:01
